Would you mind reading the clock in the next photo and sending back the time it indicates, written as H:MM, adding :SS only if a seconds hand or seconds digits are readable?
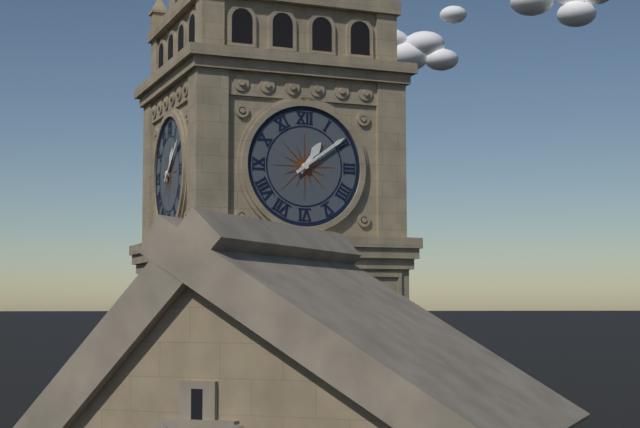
1:09
